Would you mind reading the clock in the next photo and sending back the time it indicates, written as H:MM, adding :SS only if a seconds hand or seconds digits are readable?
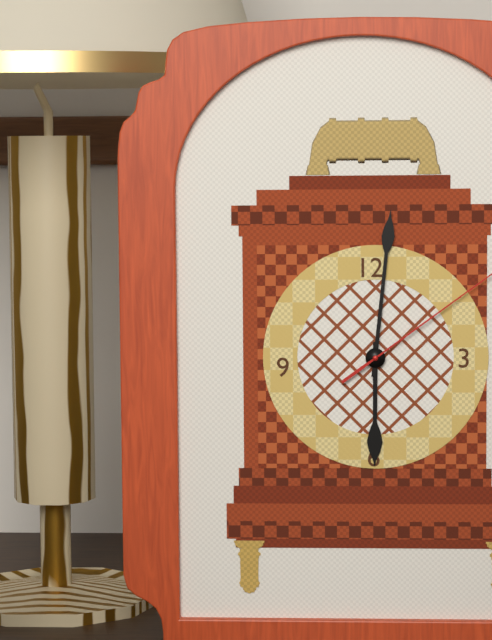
6:01
